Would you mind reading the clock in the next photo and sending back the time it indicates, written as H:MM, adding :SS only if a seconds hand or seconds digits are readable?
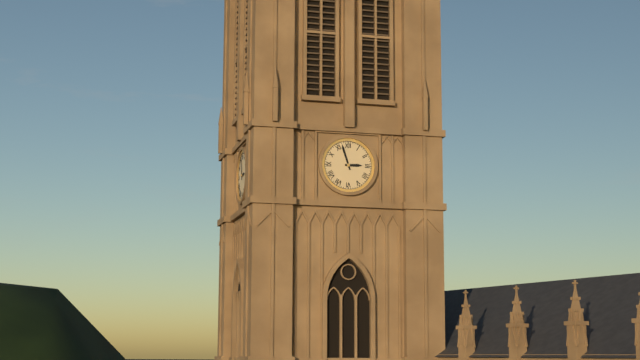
2:57
